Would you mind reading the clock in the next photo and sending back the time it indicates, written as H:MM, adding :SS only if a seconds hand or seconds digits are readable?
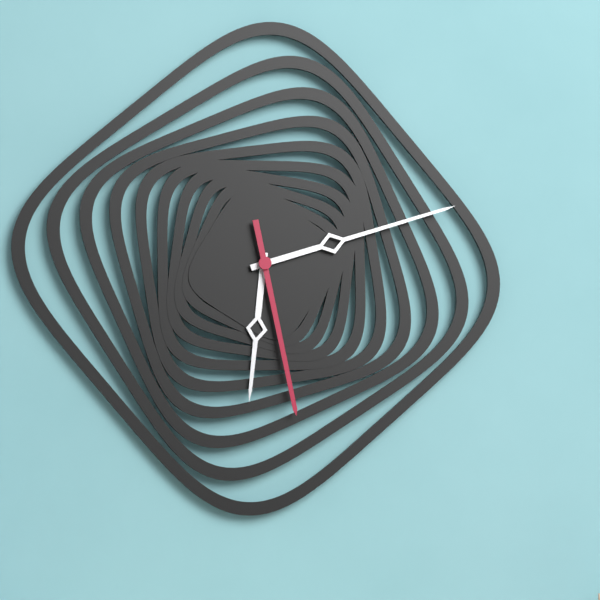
6:12:28
